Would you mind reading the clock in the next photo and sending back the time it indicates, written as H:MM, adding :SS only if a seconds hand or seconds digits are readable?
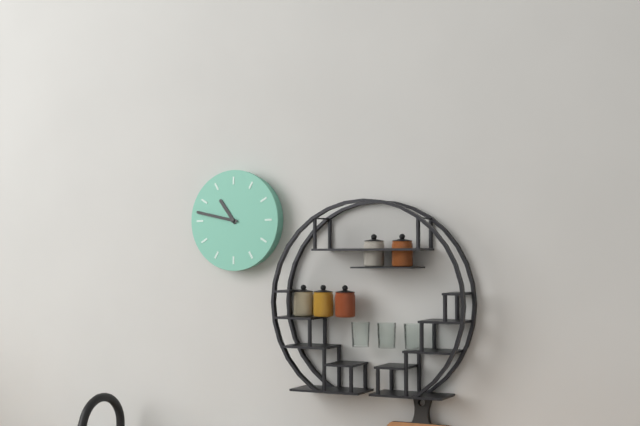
10:47
